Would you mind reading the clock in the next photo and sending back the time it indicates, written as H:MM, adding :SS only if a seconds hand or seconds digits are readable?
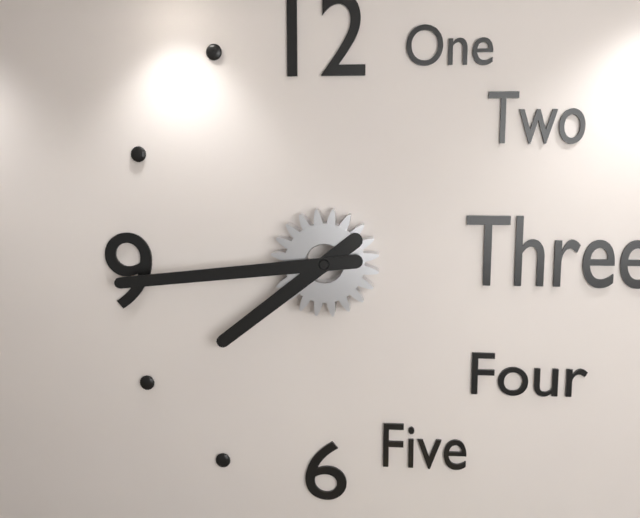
7:44
